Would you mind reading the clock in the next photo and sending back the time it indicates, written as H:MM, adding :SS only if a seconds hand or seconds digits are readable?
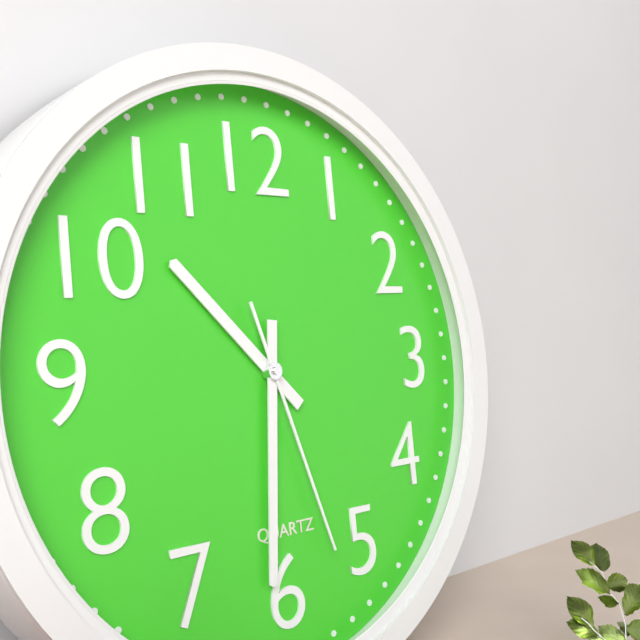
10:31:27
